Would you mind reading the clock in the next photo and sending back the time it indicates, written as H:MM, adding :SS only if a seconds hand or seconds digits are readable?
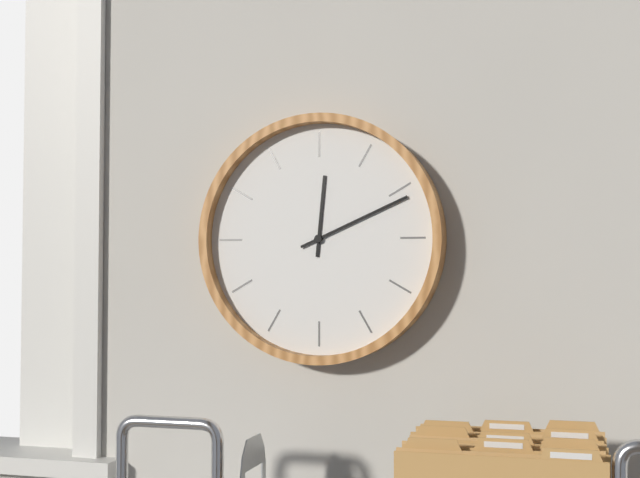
12:11
